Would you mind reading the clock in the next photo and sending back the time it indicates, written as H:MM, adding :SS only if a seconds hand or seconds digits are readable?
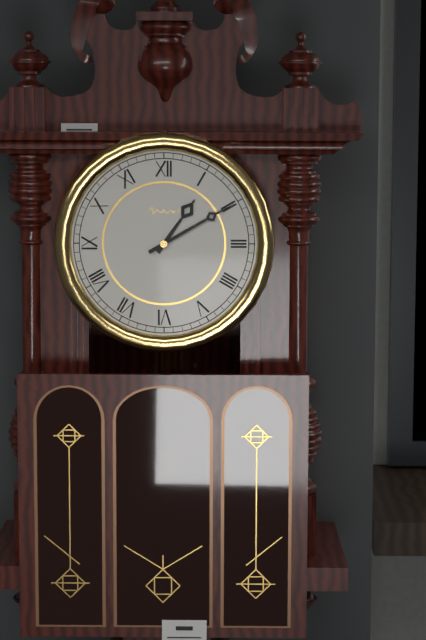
1:10
